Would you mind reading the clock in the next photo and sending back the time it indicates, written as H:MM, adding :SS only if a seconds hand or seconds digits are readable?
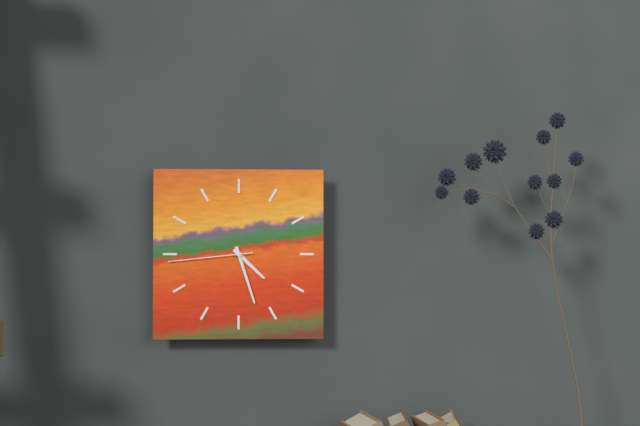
4:27:44
